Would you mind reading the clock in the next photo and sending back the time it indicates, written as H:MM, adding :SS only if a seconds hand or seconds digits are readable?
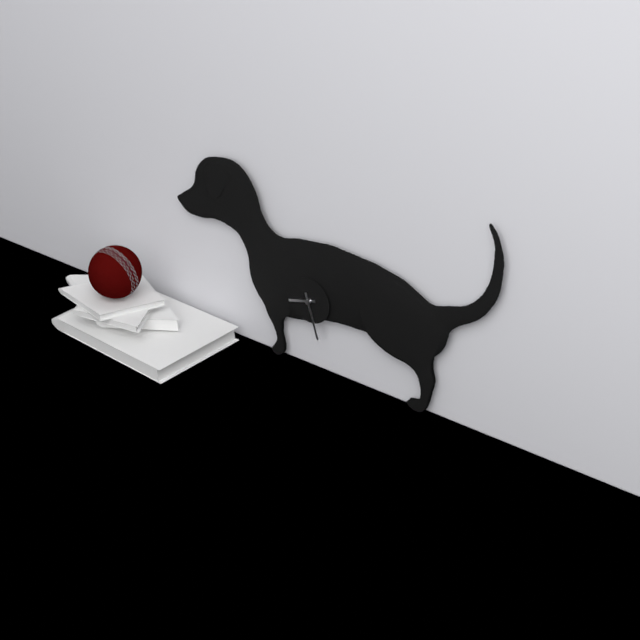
8:27
